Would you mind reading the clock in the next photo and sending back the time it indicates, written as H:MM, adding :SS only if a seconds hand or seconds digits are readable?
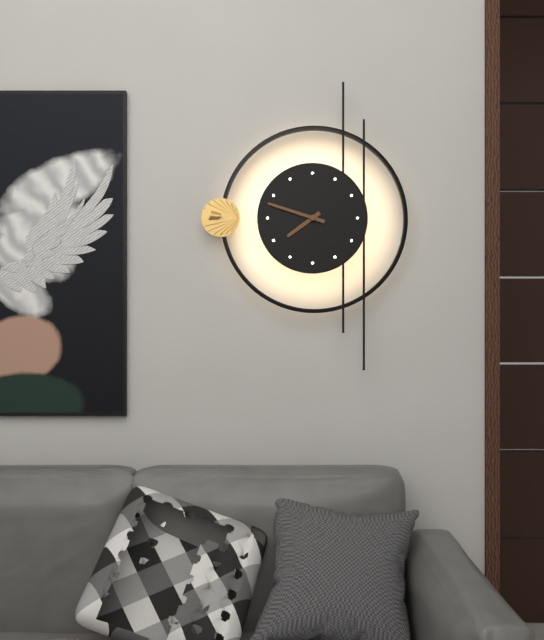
7:48
